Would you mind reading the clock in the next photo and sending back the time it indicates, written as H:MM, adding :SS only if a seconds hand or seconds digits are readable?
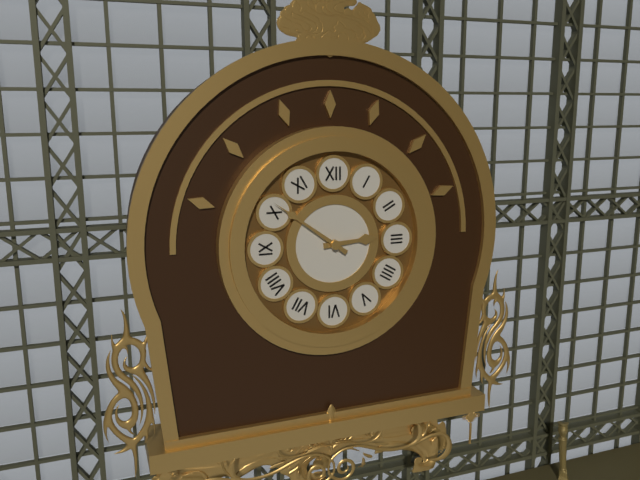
2:51
